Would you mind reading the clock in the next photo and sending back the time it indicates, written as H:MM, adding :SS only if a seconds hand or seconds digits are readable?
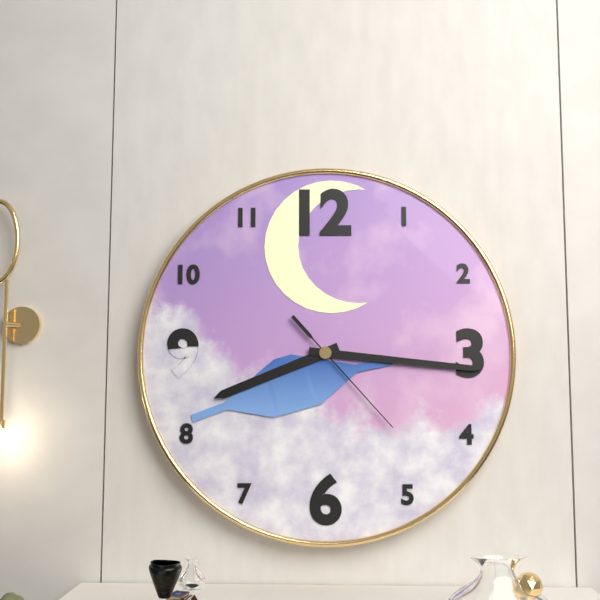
8:16:23
